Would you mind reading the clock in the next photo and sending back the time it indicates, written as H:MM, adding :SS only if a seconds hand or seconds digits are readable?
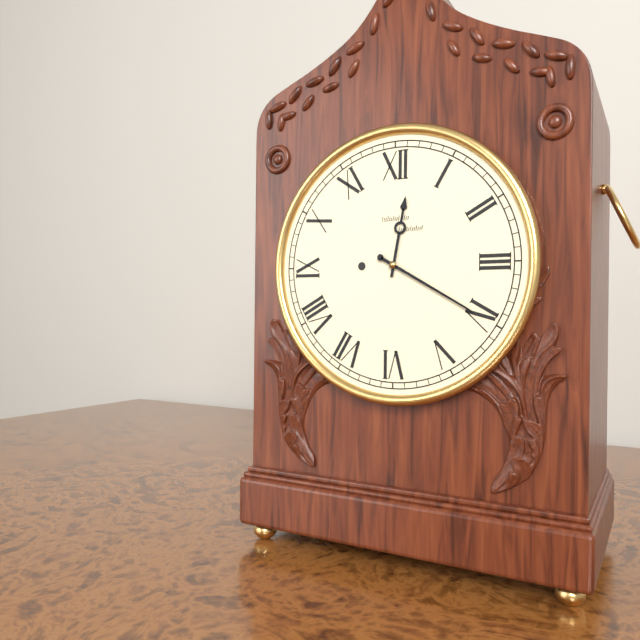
12:20
